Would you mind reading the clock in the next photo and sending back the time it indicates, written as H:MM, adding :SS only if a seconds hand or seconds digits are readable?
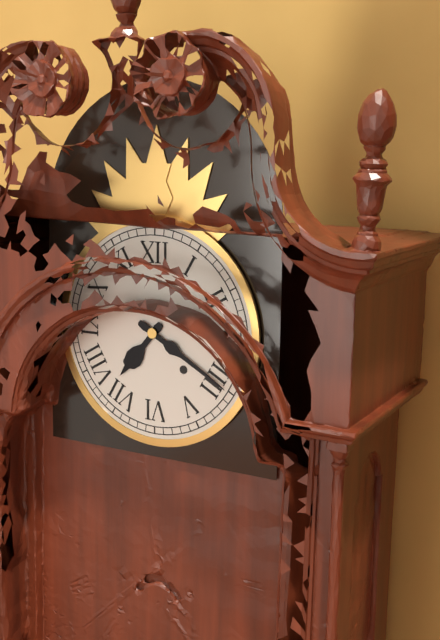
7:20
